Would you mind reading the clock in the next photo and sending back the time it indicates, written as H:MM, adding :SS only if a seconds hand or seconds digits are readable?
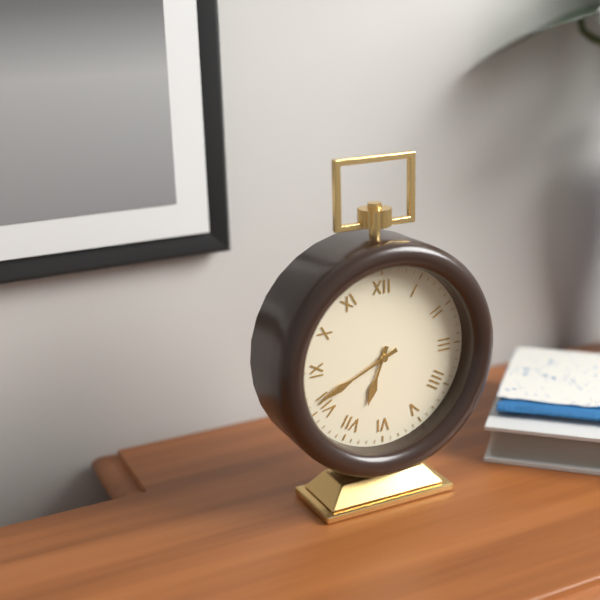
6:41
